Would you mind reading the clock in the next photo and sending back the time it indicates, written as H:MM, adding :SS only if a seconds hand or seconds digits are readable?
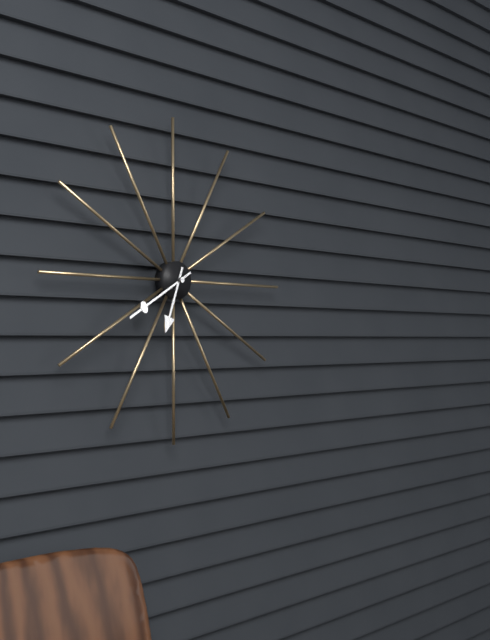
6:40
